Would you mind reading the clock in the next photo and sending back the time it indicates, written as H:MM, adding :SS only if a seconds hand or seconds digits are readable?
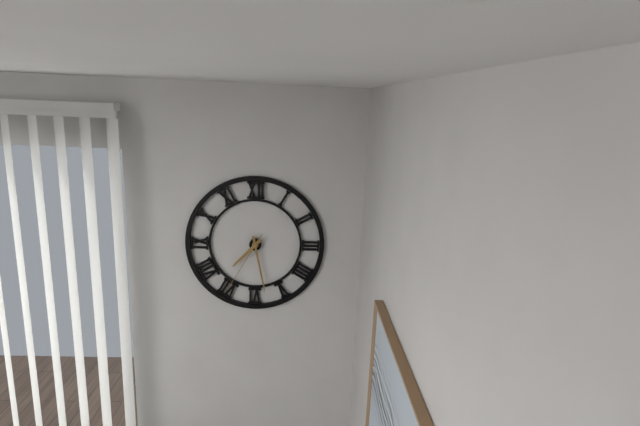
7:28:35
